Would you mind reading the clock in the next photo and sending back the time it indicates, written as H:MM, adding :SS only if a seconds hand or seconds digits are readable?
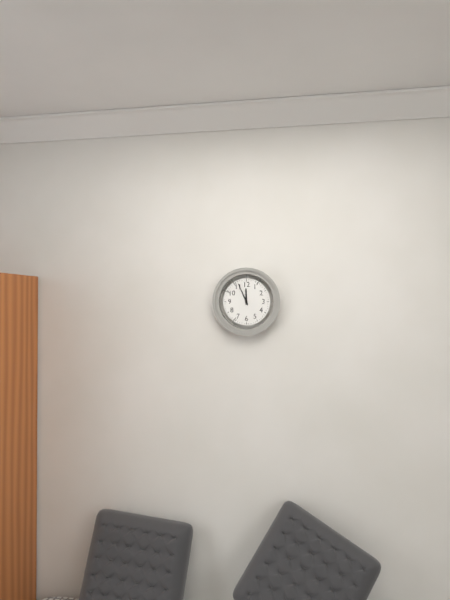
11:56
